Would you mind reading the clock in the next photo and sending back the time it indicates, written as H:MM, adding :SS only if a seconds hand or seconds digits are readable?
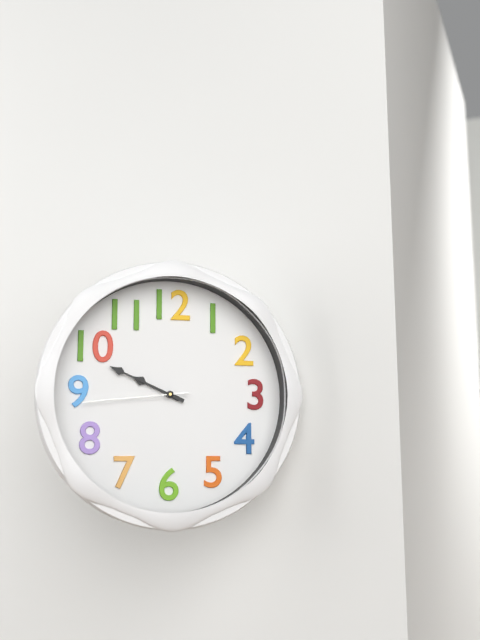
9:49:44
